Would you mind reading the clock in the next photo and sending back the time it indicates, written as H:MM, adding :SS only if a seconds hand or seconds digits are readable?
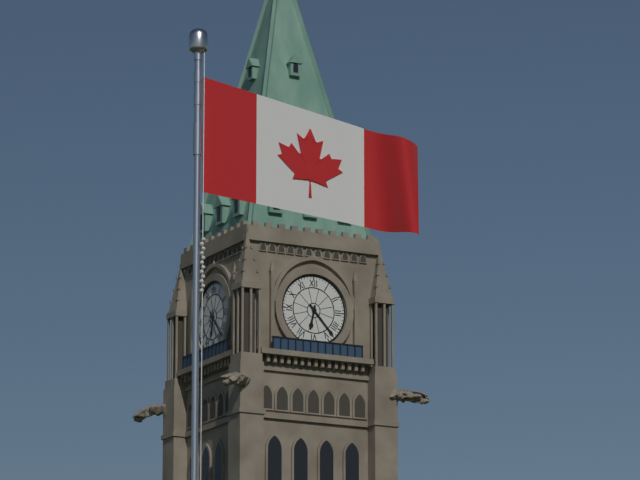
6:23
